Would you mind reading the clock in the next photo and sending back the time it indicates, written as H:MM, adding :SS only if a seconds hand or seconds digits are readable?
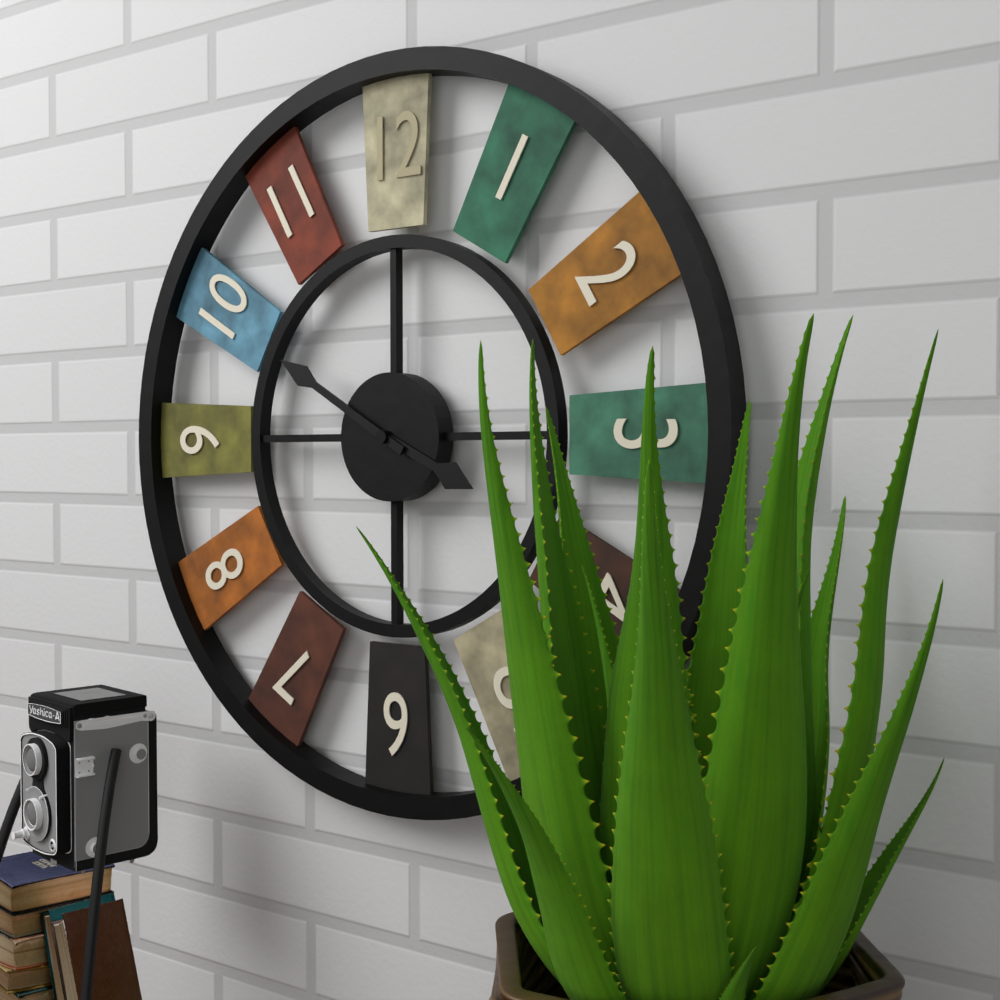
3:50
